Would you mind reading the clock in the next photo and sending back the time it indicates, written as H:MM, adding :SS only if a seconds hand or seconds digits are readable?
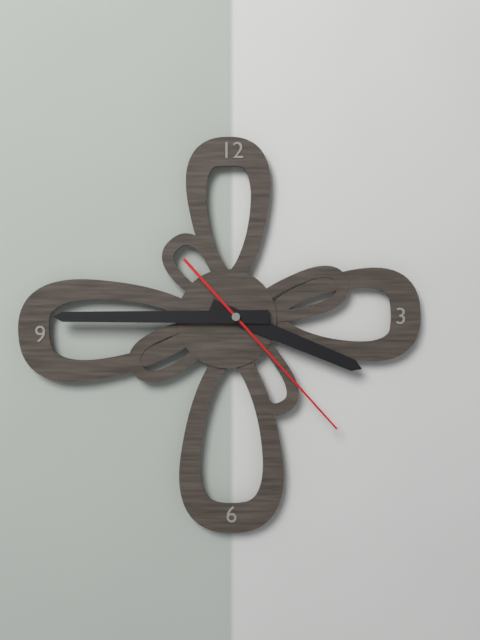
3:45:23
